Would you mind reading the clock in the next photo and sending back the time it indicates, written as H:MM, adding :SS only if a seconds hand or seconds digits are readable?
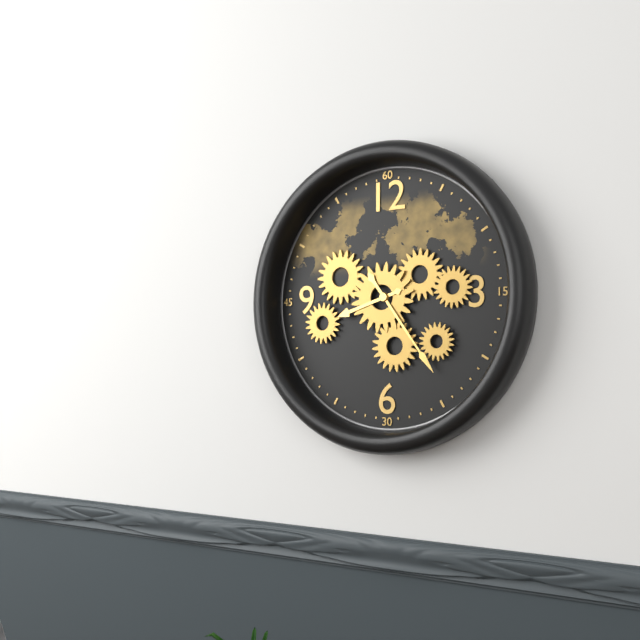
8:24
